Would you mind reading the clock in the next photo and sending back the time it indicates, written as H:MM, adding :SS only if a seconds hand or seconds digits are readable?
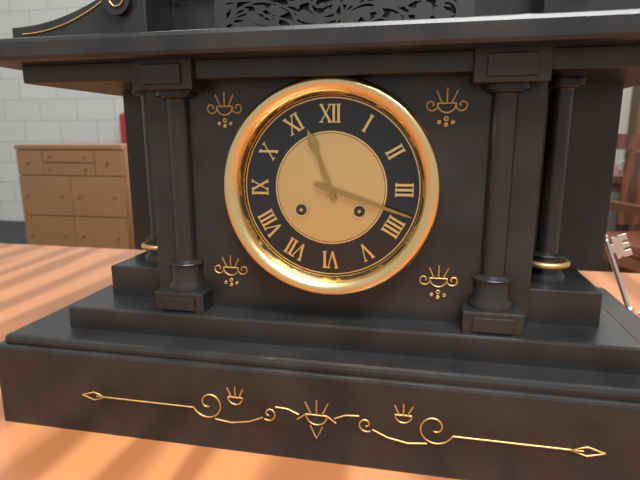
11:18
